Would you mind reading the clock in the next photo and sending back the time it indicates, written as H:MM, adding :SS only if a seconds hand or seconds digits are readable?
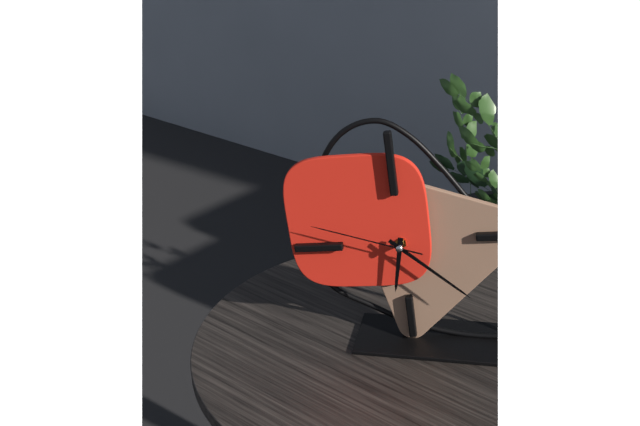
6:22:48
